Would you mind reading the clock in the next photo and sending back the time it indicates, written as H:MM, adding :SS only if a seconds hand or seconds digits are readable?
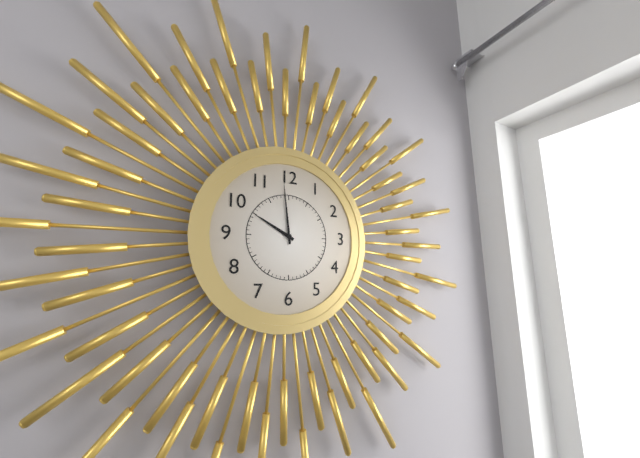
9:59
